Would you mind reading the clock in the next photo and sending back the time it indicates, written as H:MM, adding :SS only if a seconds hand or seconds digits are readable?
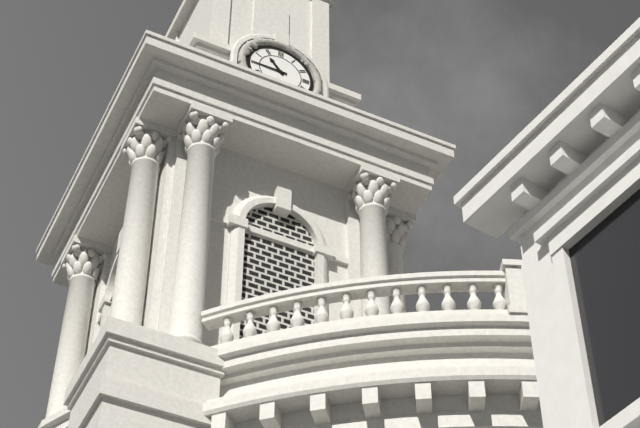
10:45
